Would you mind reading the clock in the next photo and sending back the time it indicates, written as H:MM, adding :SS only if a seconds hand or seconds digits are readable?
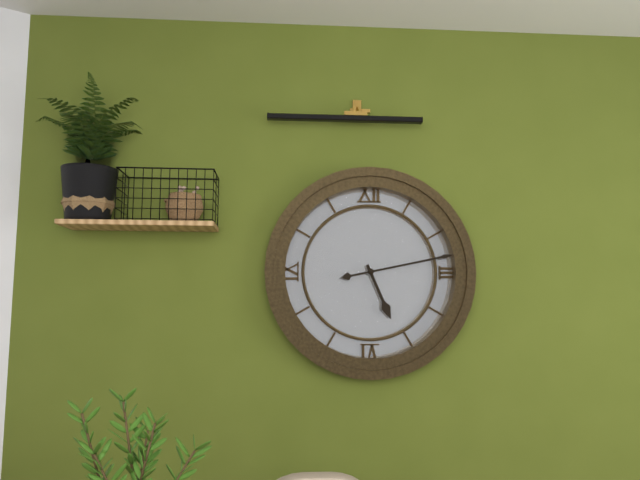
5:13
